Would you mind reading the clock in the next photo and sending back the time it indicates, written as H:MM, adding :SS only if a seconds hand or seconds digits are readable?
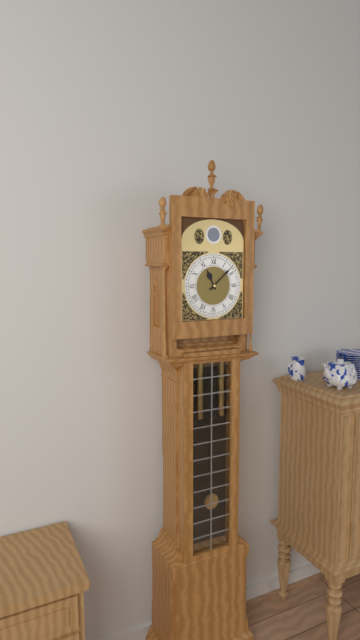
11:08
